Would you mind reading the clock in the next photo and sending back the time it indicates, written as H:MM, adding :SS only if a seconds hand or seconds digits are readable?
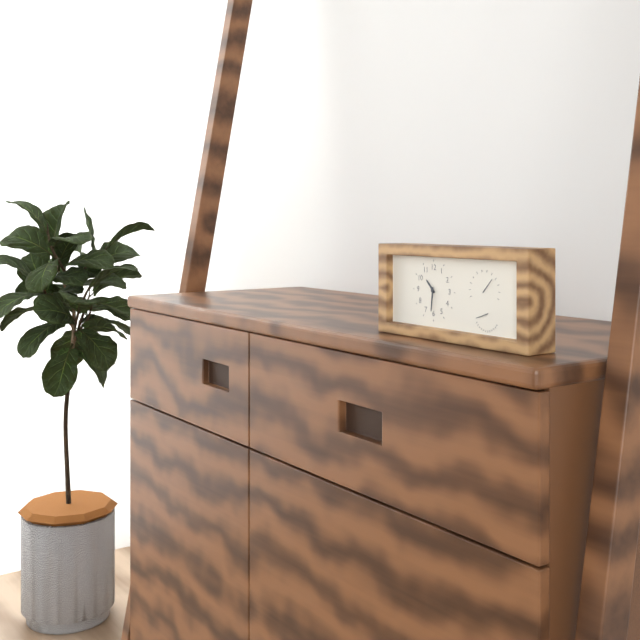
10:31
